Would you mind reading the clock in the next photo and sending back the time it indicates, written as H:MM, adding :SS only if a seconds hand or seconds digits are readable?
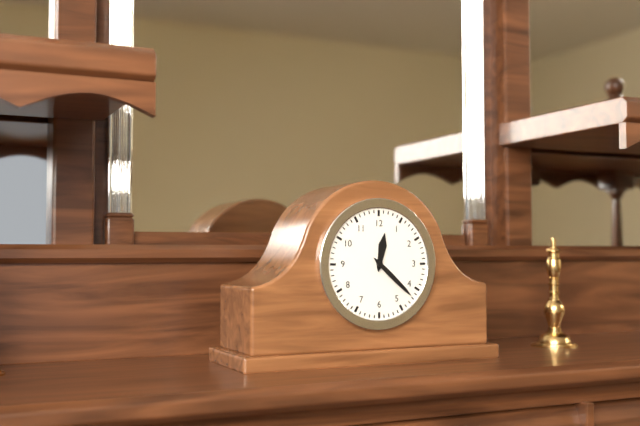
12:22
